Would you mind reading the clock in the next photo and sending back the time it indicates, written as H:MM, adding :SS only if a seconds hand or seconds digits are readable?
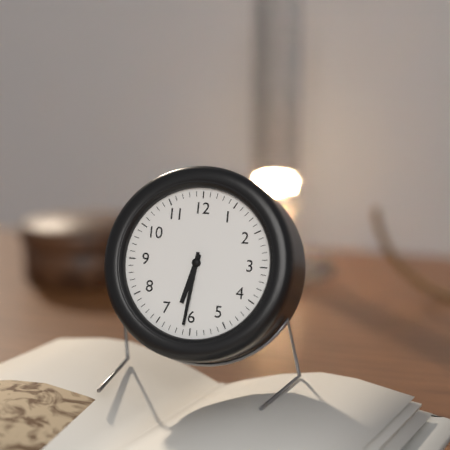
6:31
